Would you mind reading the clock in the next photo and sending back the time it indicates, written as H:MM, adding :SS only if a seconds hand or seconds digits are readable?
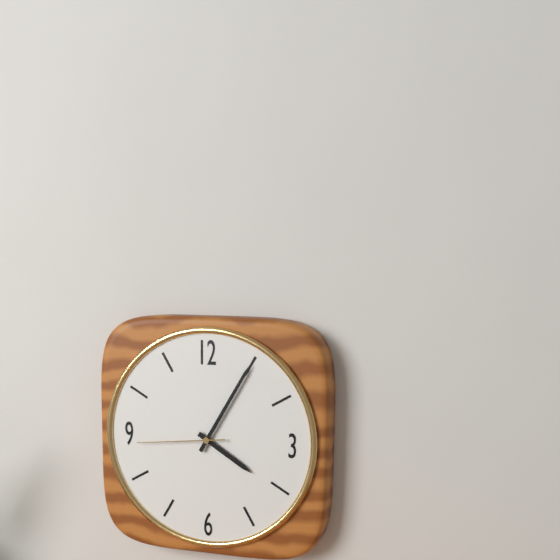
4:05:44
